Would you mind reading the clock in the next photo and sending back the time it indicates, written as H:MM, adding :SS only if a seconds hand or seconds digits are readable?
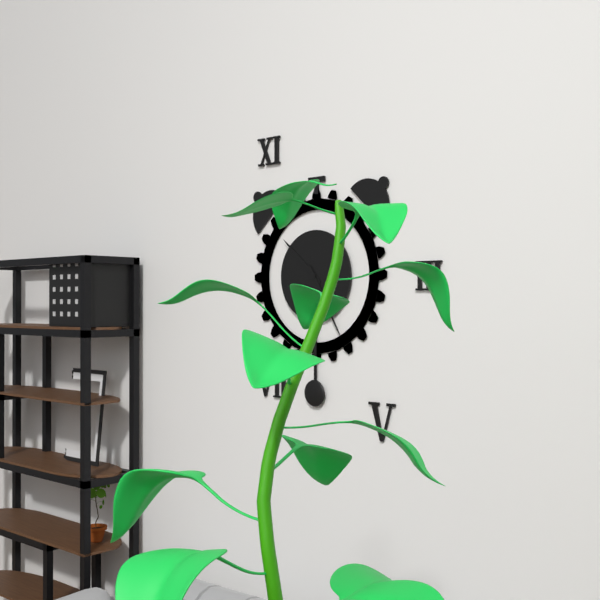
10:25
